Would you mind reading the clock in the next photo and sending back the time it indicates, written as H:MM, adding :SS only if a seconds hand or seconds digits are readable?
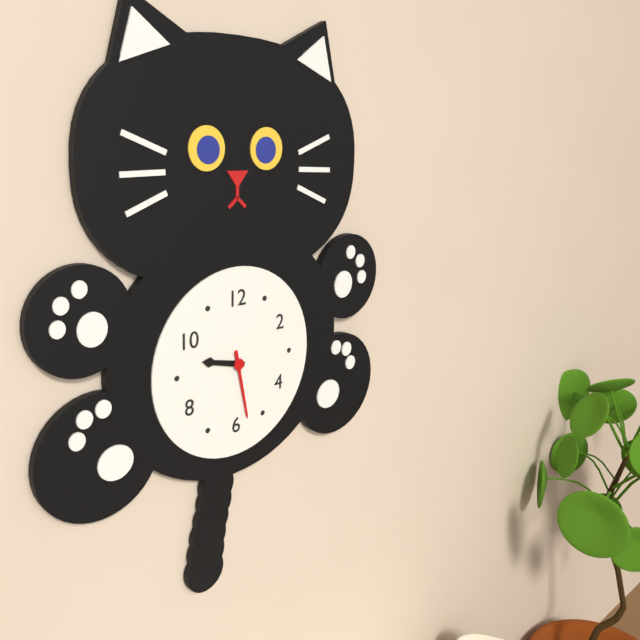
9:28
